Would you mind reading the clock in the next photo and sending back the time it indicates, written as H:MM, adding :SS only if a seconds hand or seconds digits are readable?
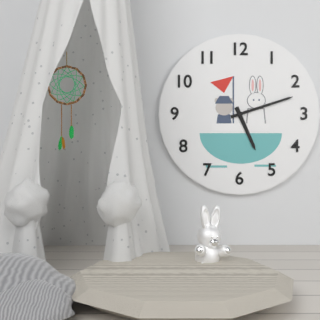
5:12
